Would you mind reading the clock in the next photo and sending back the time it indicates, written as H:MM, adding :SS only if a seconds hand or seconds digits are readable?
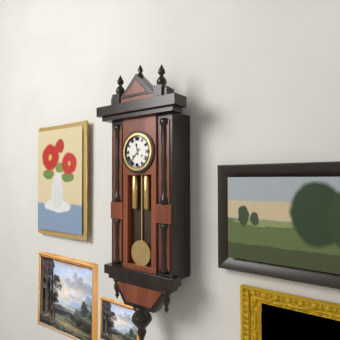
11:37
